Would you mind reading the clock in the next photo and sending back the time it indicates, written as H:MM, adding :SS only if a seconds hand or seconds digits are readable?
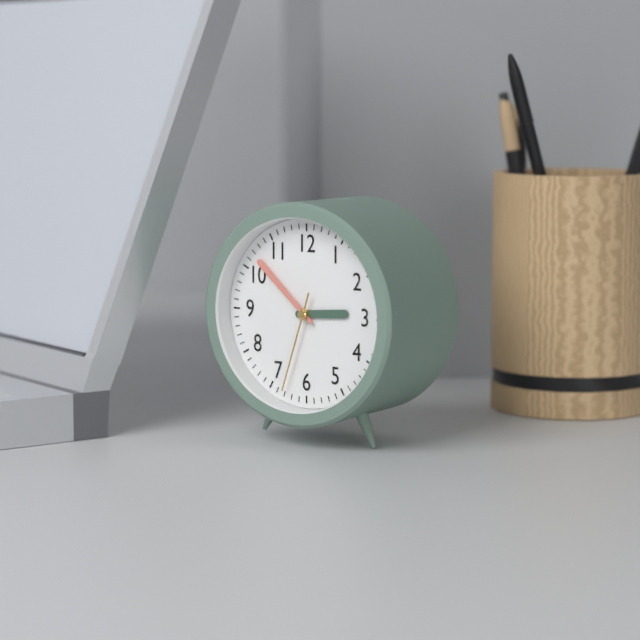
2:52:33
